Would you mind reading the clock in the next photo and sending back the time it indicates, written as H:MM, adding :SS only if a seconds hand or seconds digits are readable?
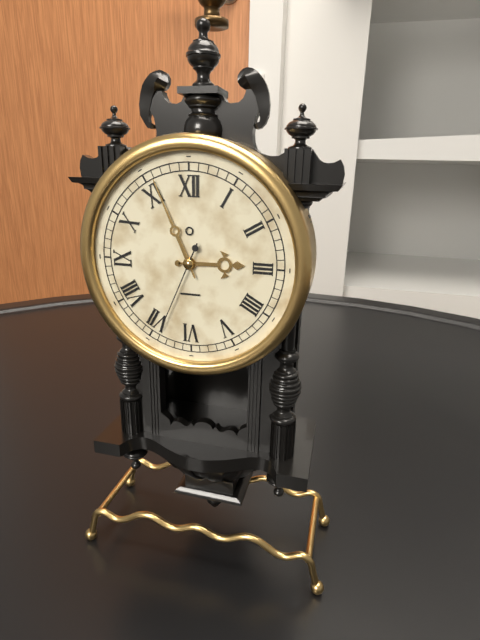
2:56:34
